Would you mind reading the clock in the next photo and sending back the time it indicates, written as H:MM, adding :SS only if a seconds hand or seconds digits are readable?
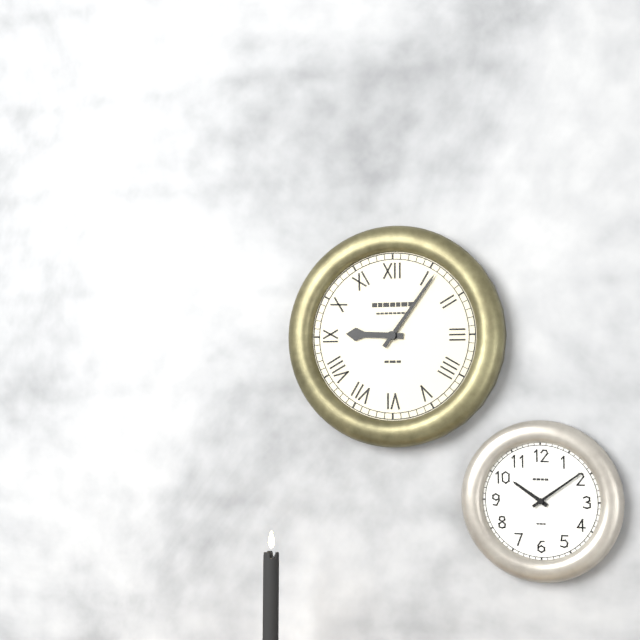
9:06
